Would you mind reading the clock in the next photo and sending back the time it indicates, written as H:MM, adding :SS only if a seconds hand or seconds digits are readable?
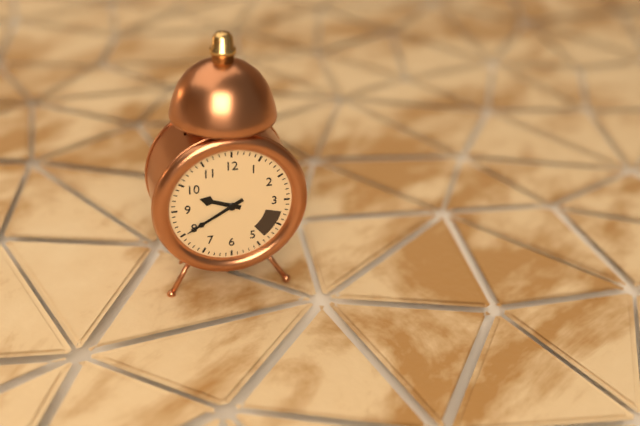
9:40
